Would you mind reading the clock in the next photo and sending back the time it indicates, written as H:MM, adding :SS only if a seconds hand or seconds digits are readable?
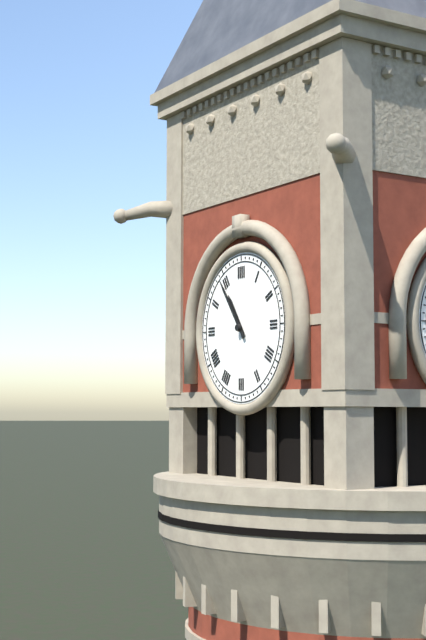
10:54
